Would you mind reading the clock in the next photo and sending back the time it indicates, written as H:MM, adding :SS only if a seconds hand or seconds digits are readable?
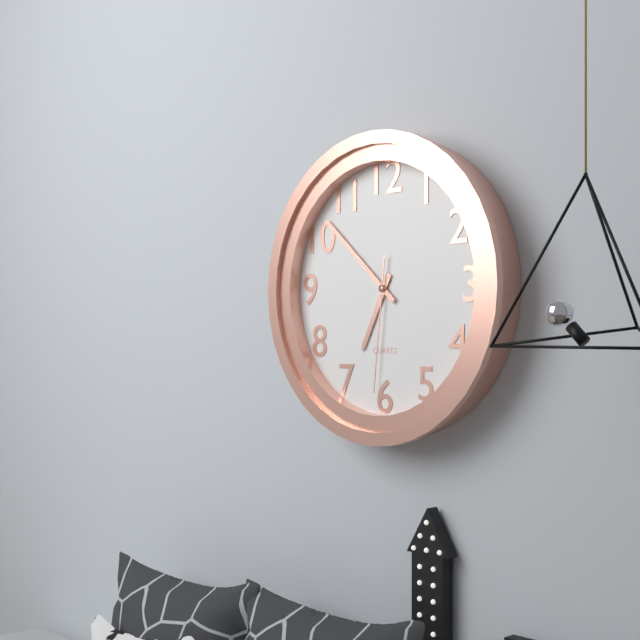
6:52:31
